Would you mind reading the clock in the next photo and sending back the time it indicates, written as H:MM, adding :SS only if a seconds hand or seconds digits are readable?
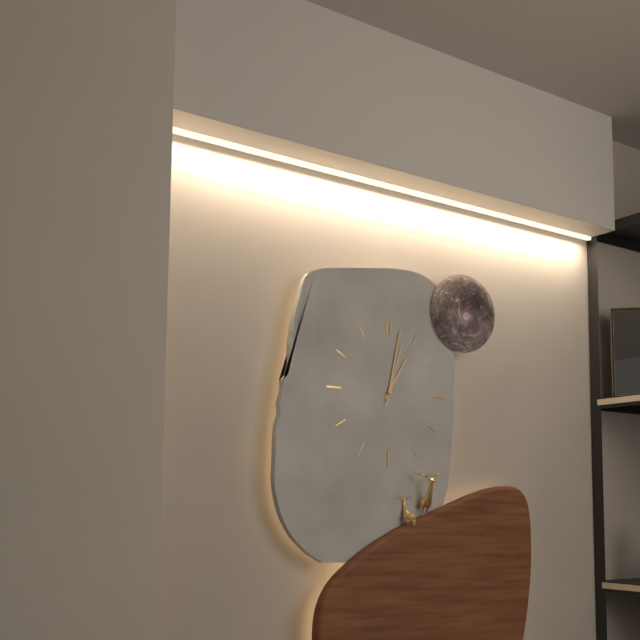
1:02:03
